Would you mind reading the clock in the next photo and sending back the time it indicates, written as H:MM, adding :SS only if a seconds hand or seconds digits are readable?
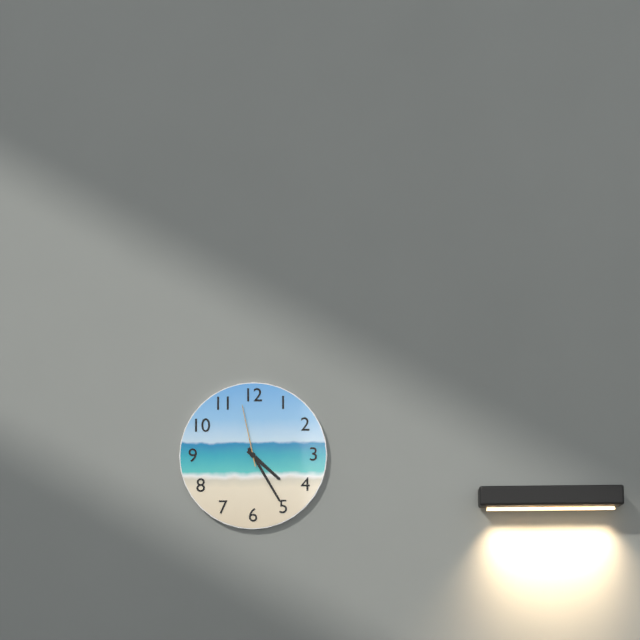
4:25:58
